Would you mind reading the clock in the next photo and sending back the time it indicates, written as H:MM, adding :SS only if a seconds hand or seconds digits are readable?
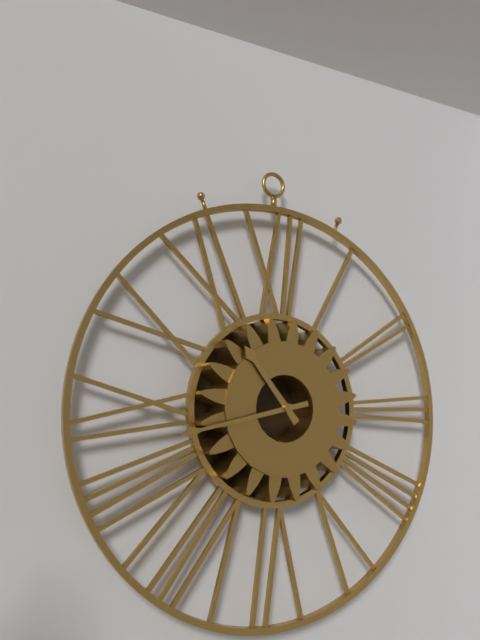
10:43
